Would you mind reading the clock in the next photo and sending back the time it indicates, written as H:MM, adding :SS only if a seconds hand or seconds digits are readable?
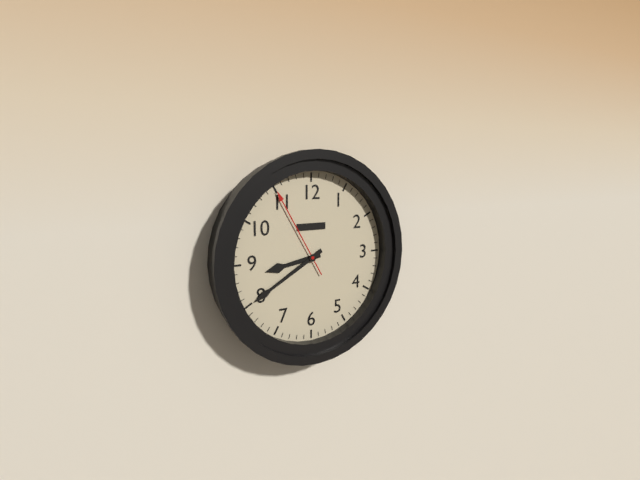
8:40:55
